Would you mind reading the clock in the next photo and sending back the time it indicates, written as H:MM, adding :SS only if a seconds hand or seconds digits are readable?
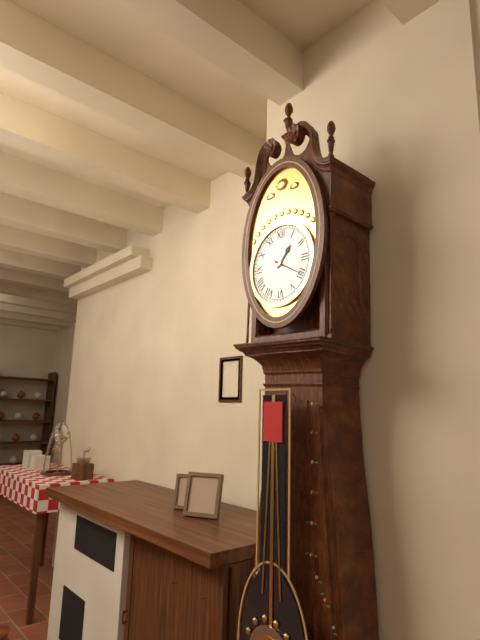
1:20
